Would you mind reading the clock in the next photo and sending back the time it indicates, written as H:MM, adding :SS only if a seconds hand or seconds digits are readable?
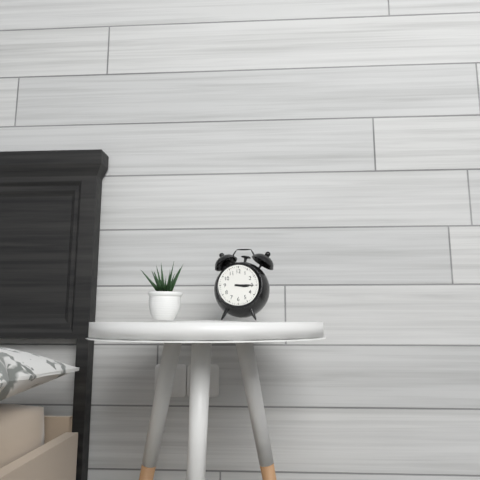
3:15
